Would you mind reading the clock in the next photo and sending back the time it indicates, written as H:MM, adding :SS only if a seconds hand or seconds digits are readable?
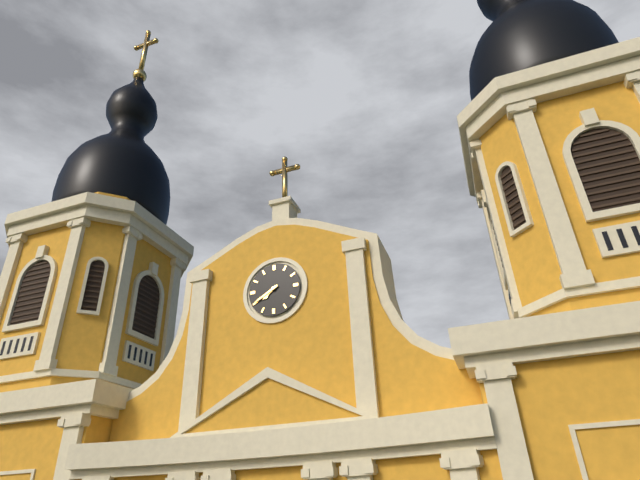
7:40
